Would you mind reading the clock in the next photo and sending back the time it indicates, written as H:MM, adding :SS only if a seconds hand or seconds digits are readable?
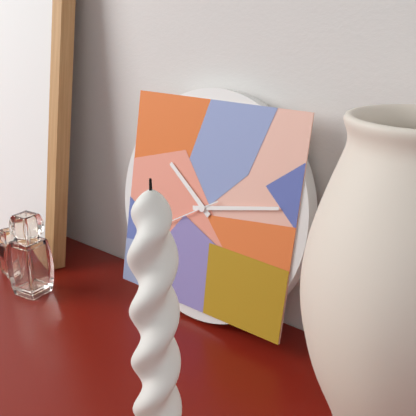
10:13
